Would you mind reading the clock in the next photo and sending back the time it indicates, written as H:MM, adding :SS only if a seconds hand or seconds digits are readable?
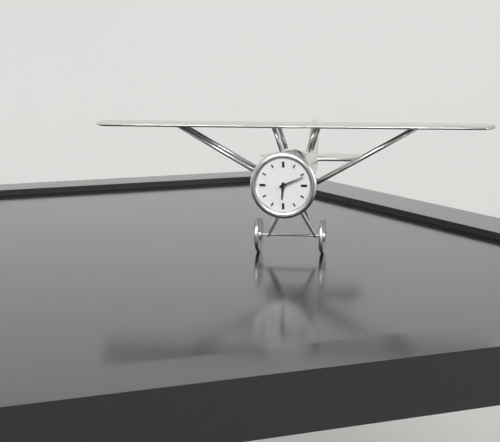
6:11
